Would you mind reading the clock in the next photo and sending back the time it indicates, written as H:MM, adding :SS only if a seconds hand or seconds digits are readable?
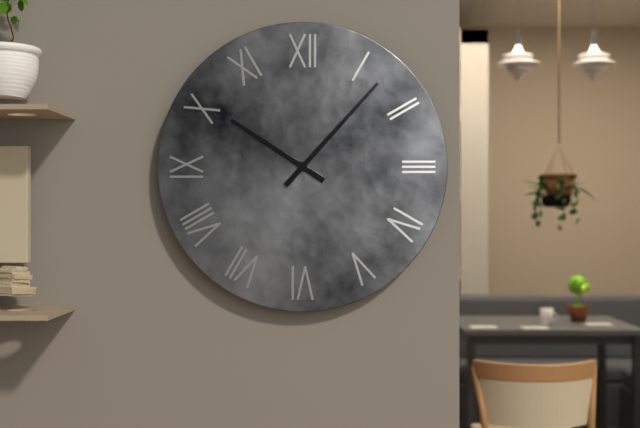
10:07
